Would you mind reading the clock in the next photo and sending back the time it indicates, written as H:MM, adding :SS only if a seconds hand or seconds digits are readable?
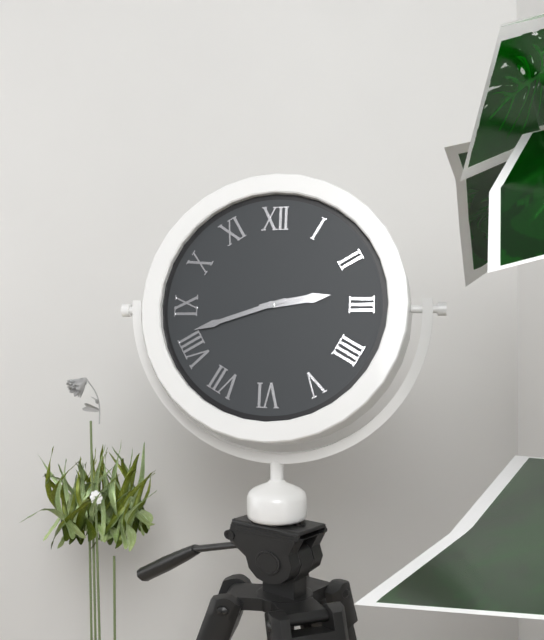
2:42
